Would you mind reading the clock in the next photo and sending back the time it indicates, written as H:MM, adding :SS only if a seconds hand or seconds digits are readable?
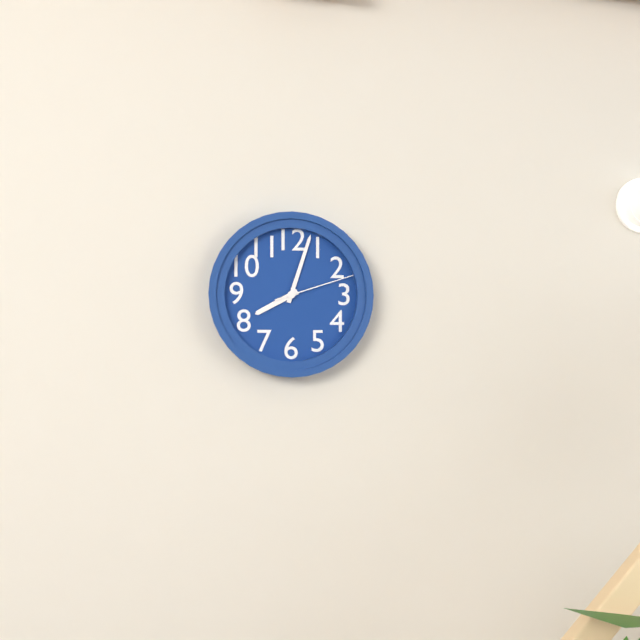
8:03:12
